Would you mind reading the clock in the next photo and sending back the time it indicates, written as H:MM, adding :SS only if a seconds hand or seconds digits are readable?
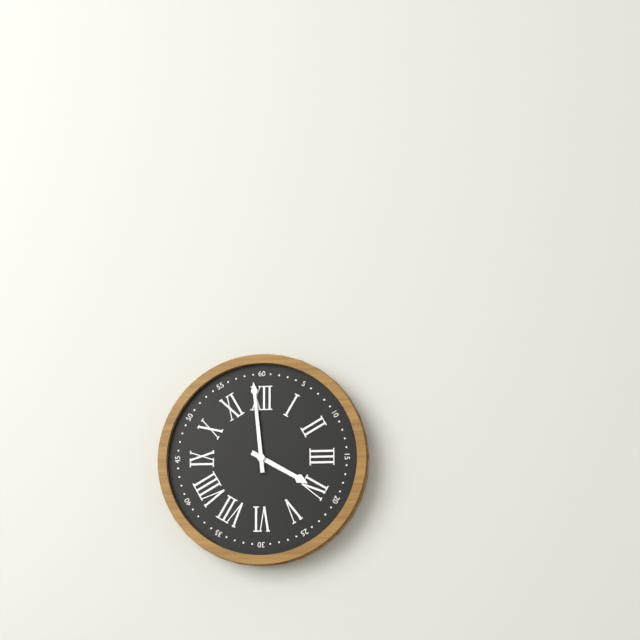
3:59
